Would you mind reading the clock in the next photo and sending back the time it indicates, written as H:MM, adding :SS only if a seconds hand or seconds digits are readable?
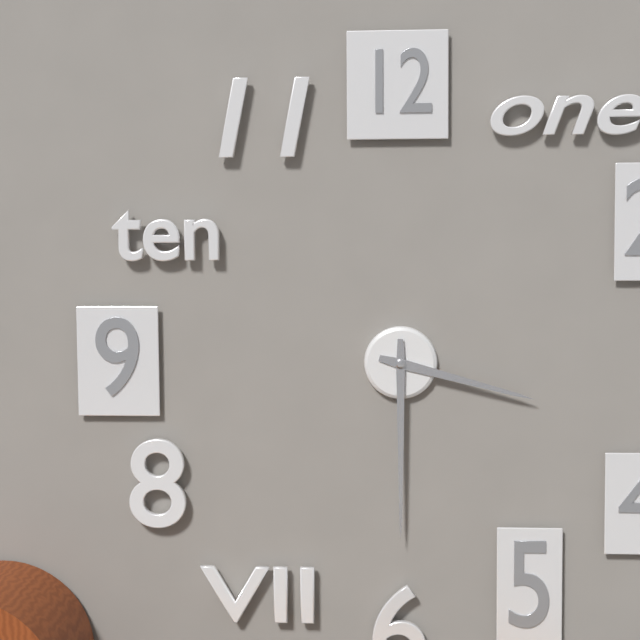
3:30
